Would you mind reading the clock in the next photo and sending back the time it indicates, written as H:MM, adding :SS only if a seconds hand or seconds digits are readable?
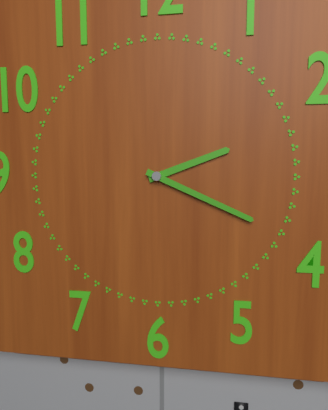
2:19
